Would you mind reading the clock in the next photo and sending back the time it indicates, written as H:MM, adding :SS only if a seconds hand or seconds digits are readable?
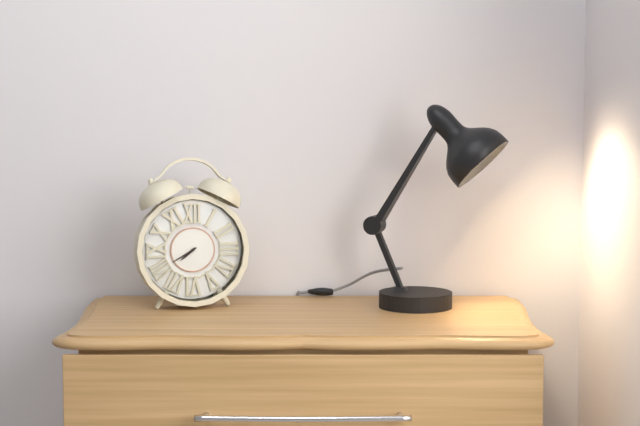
7:40
